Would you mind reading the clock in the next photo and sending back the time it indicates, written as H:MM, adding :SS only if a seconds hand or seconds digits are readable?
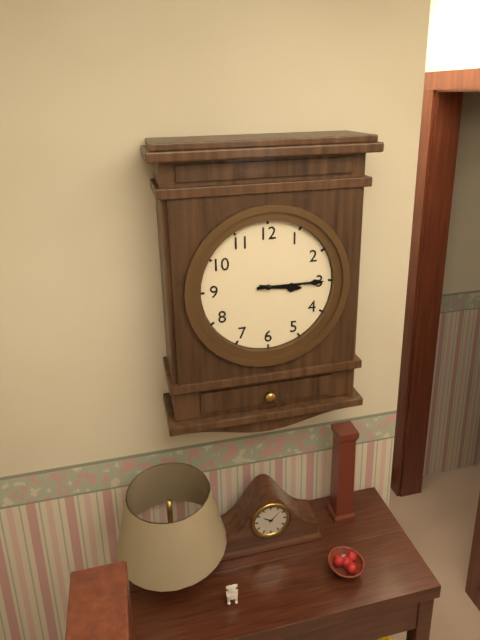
3:15
